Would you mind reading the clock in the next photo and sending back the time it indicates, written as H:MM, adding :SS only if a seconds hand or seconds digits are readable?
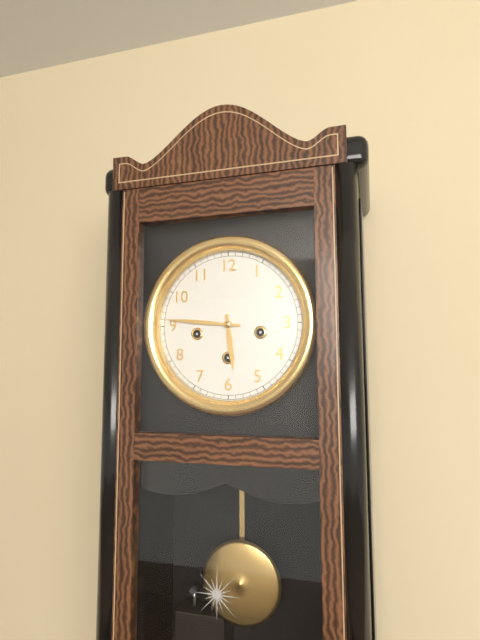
5:46
